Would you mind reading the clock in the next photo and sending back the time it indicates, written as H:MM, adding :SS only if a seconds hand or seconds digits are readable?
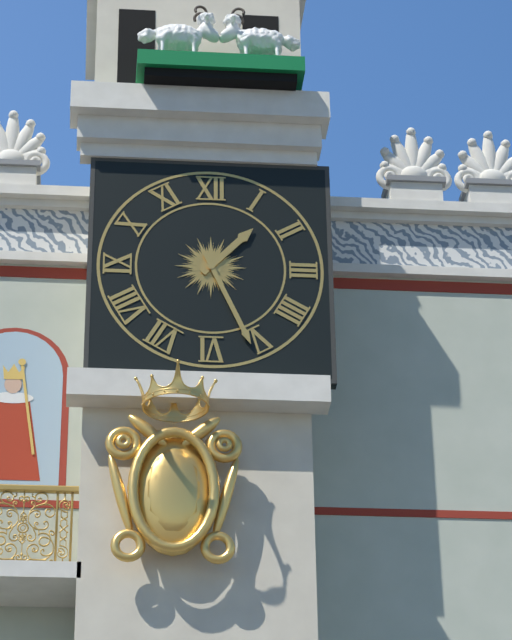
1:26
